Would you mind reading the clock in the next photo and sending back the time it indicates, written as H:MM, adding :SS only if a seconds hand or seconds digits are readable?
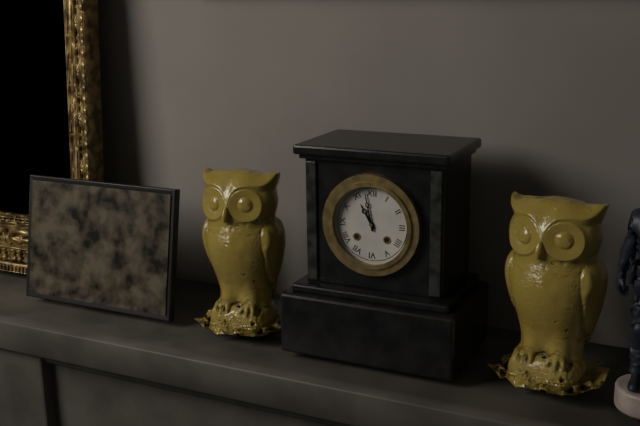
10:58
